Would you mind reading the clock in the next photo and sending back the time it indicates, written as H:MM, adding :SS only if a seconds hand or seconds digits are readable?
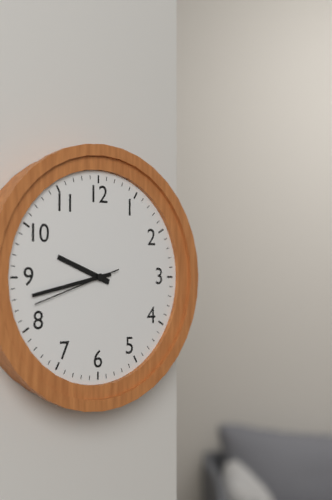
9:43:42
